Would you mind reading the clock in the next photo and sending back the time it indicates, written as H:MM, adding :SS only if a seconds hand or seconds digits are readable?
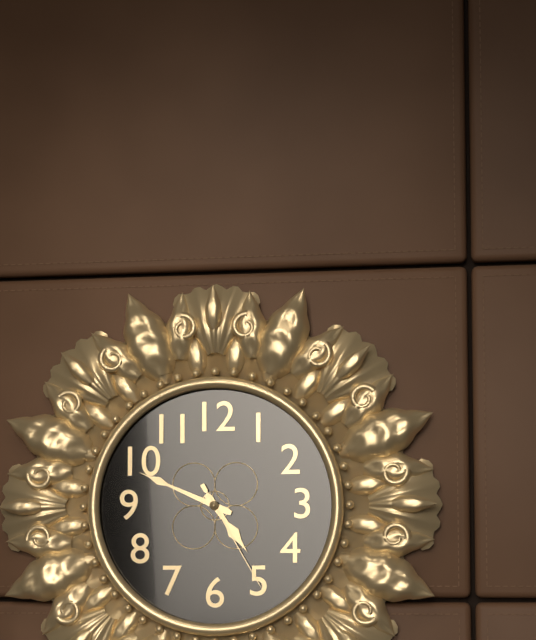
4:49:25
